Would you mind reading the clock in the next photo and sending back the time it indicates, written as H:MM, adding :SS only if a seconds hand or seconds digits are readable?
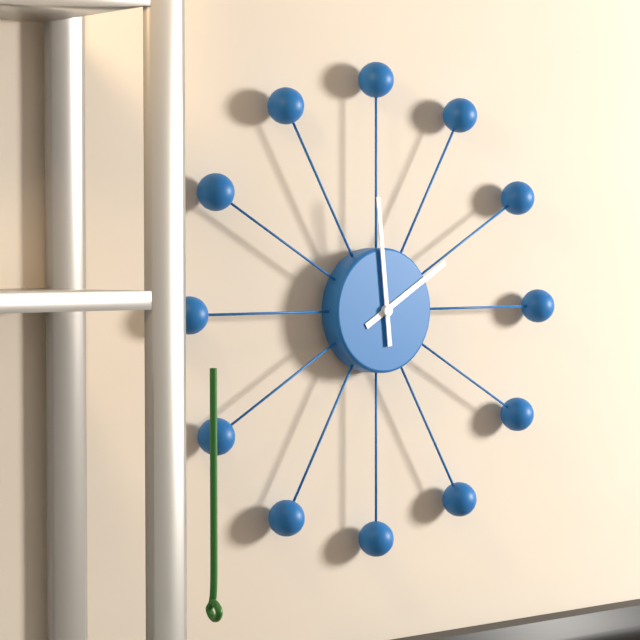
1:59
